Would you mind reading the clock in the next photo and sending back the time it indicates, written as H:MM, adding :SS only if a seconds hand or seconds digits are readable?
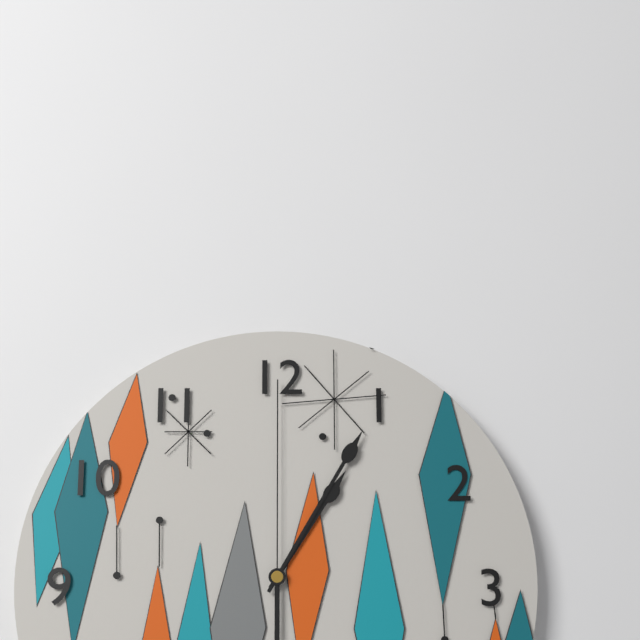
1:05:00
